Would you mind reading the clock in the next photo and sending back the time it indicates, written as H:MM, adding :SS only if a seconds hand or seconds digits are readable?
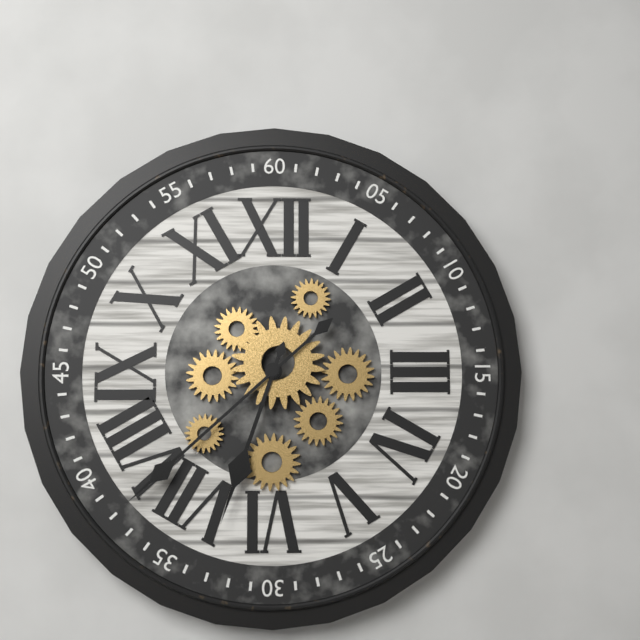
6:38
